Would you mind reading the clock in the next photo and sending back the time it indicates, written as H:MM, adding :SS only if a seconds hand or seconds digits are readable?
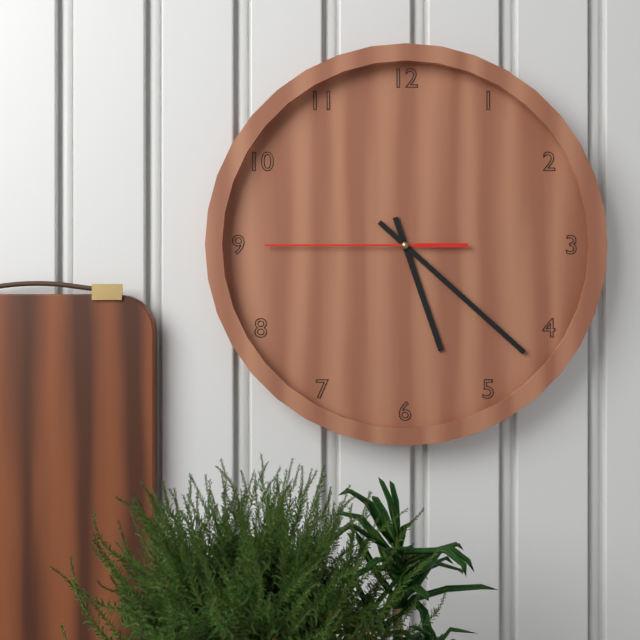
5:22:45
